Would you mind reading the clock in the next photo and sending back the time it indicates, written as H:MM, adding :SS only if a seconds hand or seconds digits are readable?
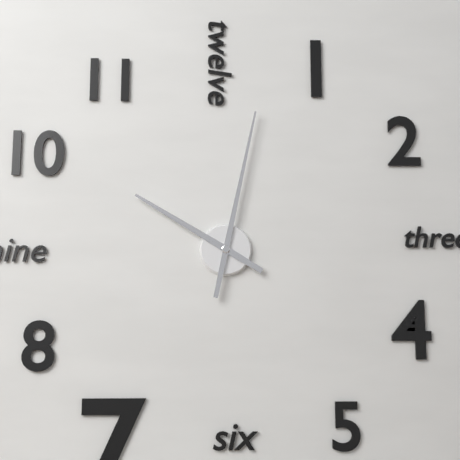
10:02
